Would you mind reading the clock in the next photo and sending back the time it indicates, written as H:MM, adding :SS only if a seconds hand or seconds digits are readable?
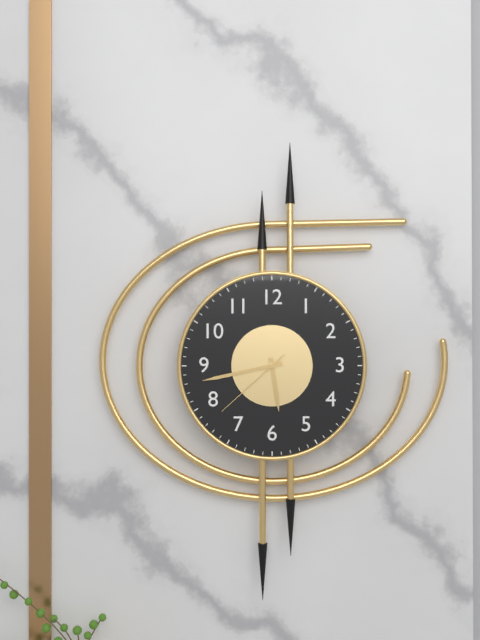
5:43:38
